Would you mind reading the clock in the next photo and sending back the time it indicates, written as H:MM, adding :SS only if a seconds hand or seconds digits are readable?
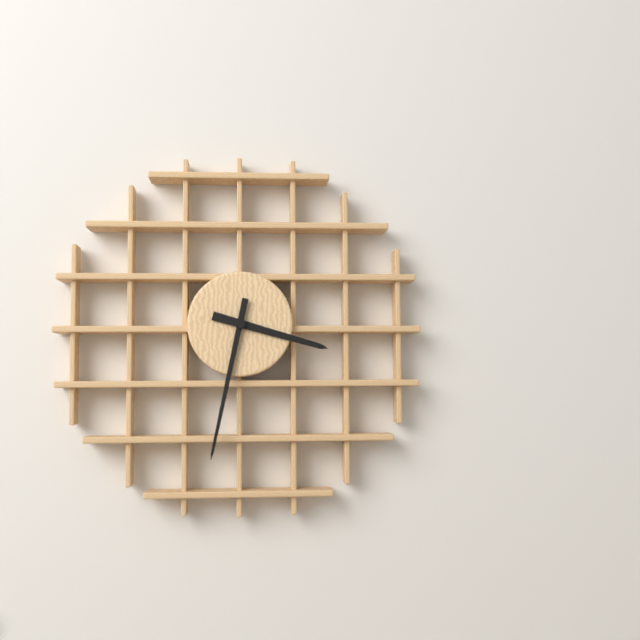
3:32
